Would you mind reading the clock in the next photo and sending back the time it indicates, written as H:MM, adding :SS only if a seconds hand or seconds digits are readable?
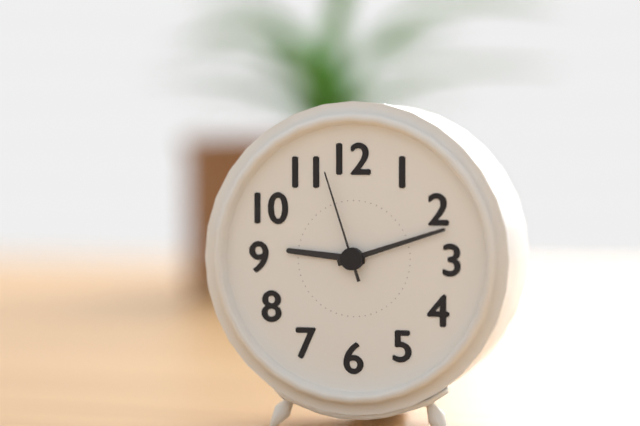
9:12:57
